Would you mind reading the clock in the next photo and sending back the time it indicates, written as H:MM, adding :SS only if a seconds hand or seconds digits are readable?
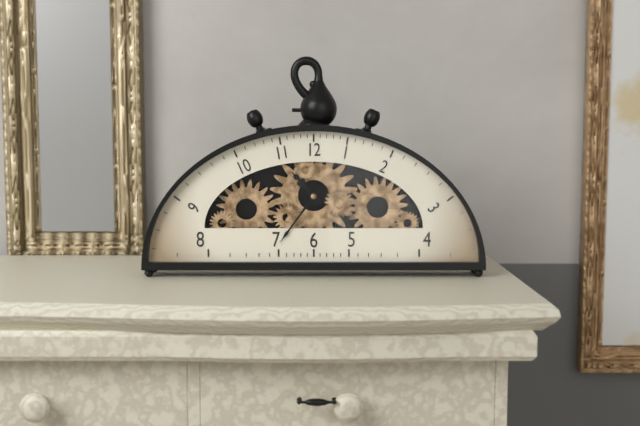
10:36
